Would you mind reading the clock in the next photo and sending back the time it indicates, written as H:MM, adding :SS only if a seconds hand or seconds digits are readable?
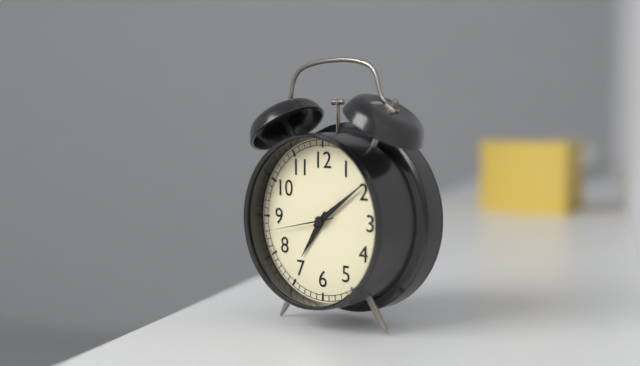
7:09:43
